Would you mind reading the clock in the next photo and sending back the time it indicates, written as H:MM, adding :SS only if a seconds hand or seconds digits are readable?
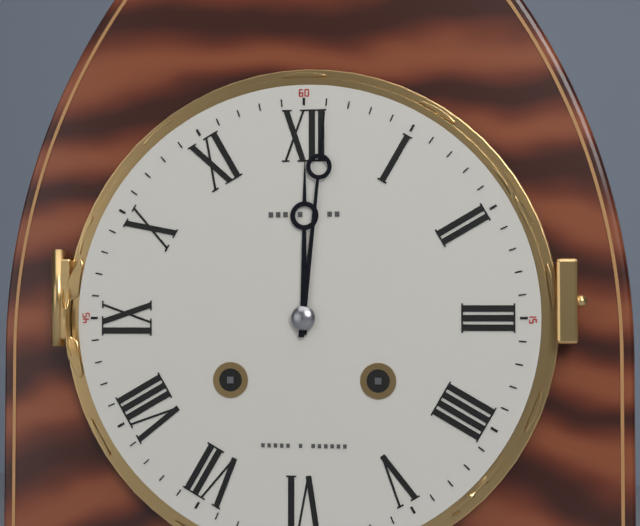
12:01
